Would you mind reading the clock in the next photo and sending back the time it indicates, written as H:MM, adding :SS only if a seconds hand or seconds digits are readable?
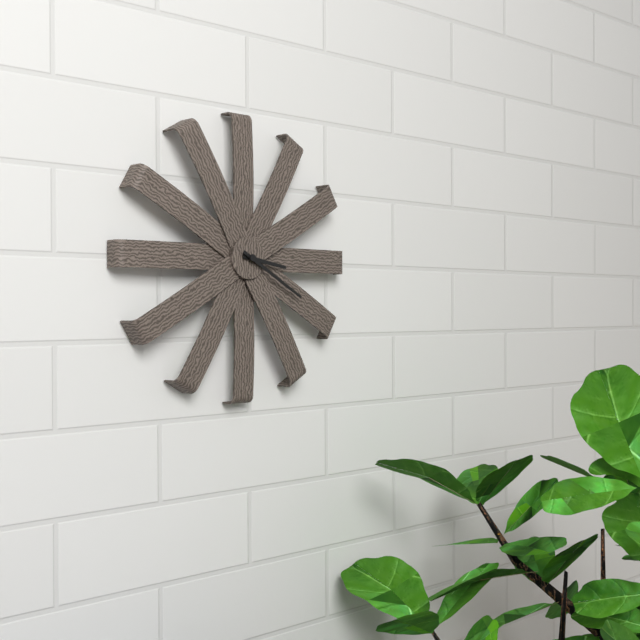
3:20
